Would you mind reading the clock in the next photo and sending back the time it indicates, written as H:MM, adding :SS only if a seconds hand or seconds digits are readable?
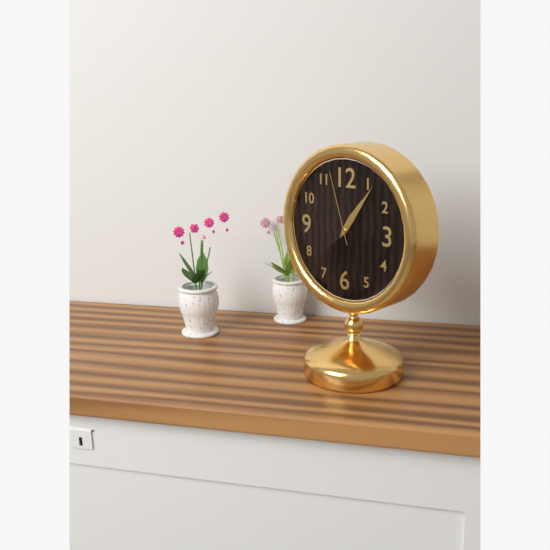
1:06:57
